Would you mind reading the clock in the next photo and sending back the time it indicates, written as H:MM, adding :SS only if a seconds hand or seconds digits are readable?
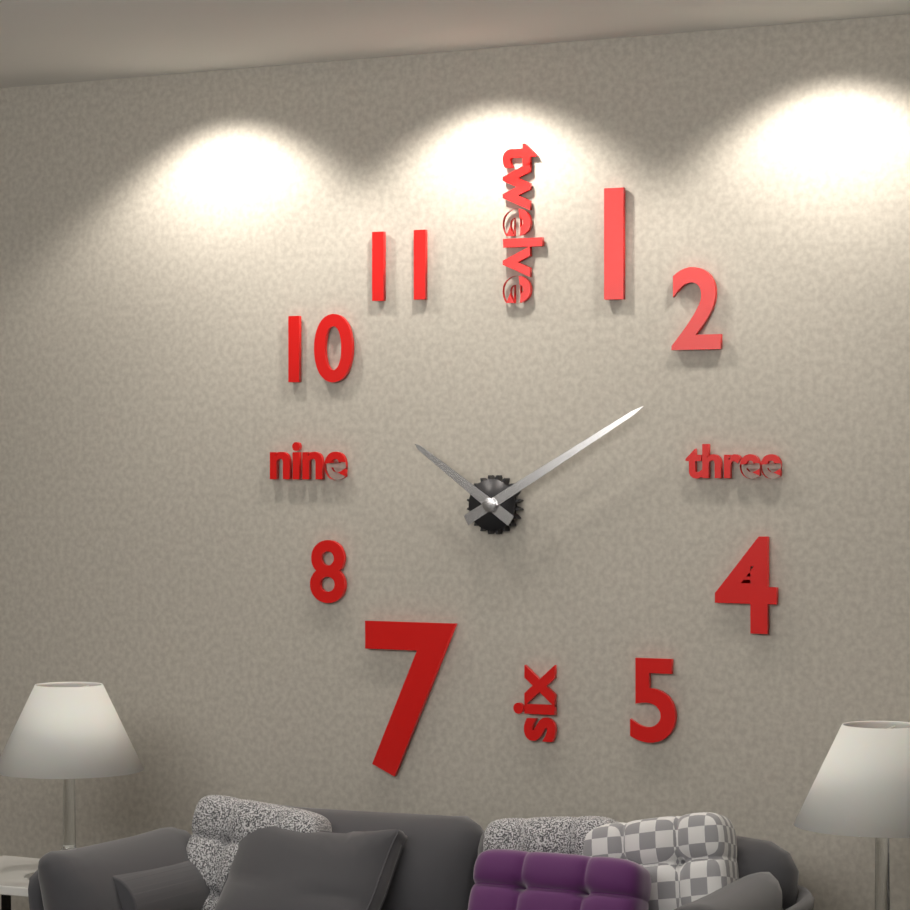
10:10
